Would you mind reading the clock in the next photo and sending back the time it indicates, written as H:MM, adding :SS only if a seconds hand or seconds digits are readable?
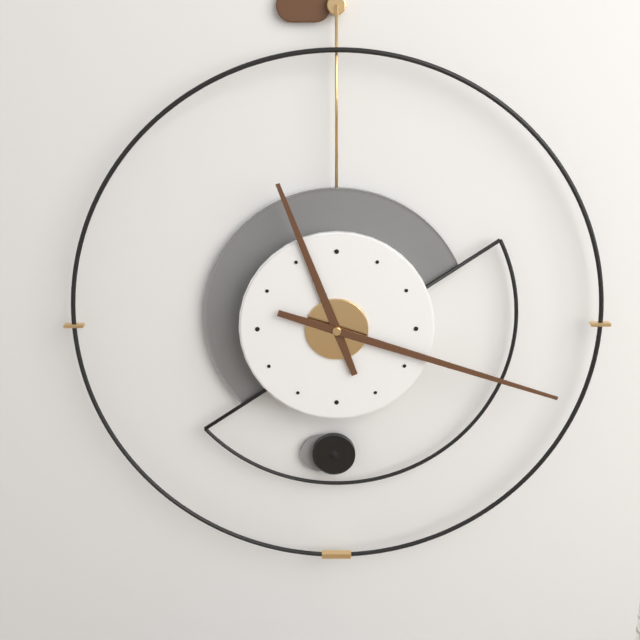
11:18
